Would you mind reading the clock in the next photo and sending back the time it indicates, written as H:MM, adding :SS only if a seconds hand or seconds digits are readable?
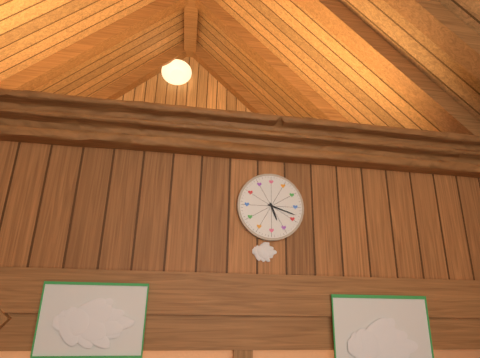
5:18
